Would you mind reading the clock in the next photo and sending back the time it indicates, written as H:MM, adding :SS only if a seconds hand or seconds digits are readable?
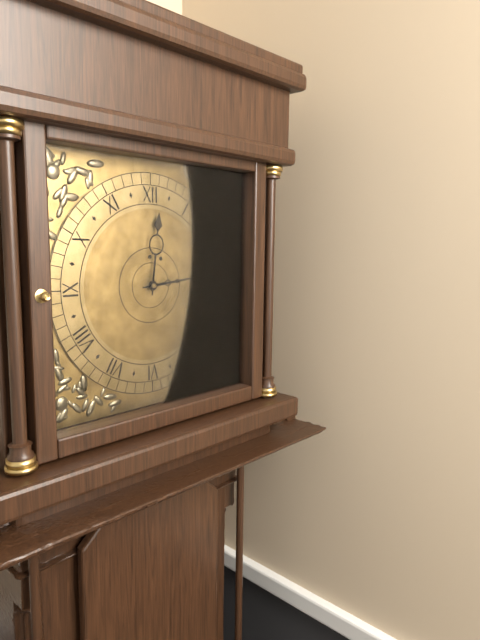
12:14
